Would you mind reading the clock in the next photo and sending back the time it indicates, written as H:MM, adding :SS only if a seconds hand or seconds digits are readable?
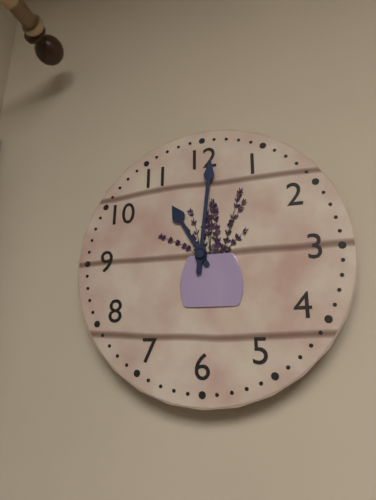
11:01
